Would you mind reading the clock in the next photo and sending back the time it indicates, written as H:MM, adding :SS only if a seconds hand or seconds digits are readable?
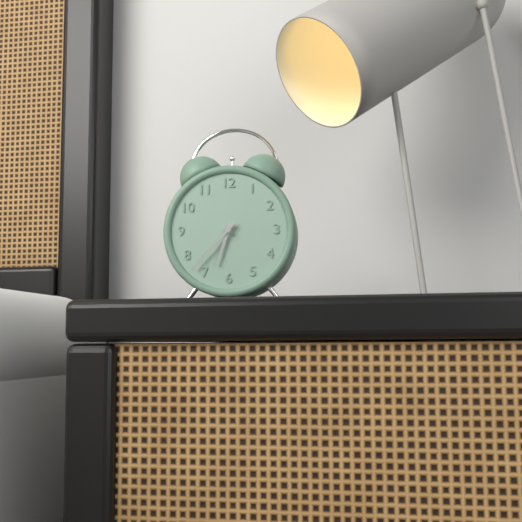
6:37
